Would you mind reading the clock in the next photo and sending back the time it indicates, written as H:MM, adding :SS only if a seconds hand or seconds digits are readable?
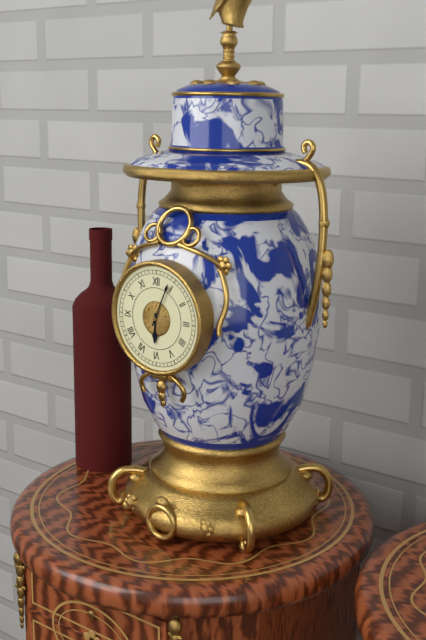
6:04
